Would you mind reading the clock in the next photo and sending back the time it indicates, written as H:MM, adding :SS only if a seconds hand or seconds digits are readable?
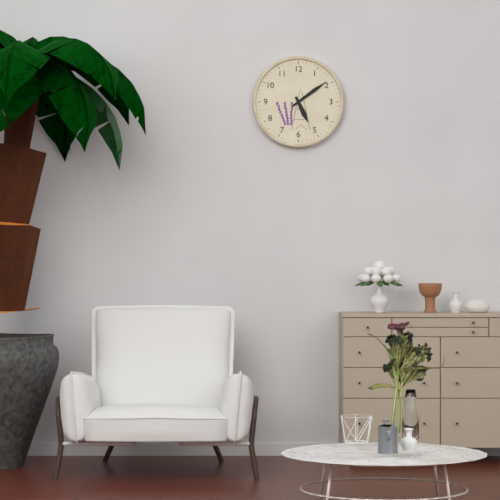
5:09
